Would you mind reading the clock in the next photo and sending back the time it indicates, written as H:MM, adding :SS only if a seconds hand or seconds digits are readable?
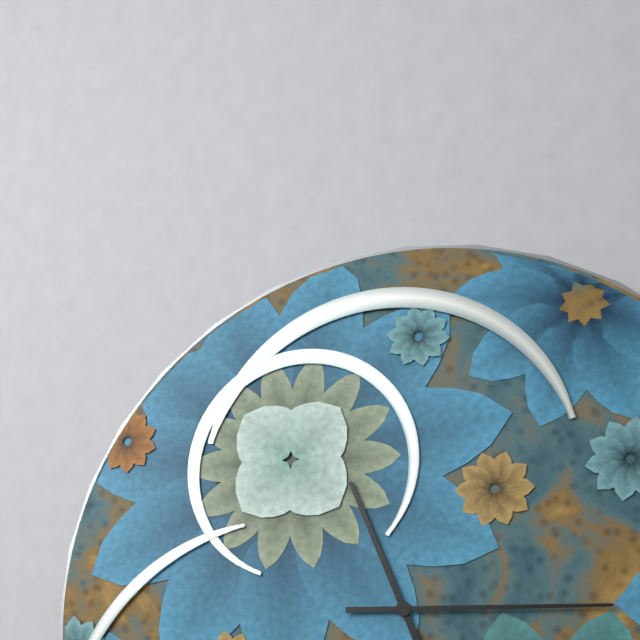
11:15
